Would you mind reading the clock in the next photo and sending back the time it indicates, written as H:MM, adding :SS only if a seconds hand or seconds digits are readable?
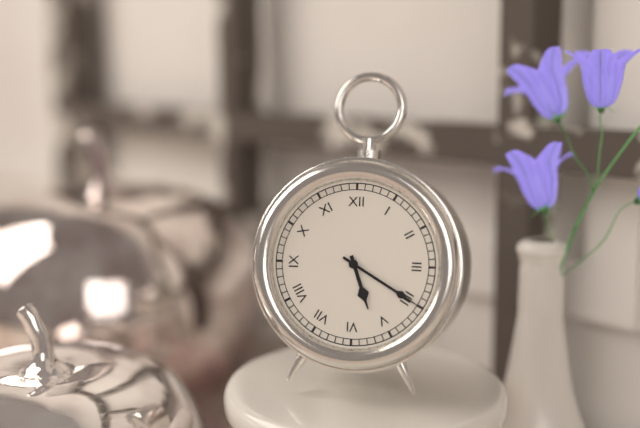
5:20
